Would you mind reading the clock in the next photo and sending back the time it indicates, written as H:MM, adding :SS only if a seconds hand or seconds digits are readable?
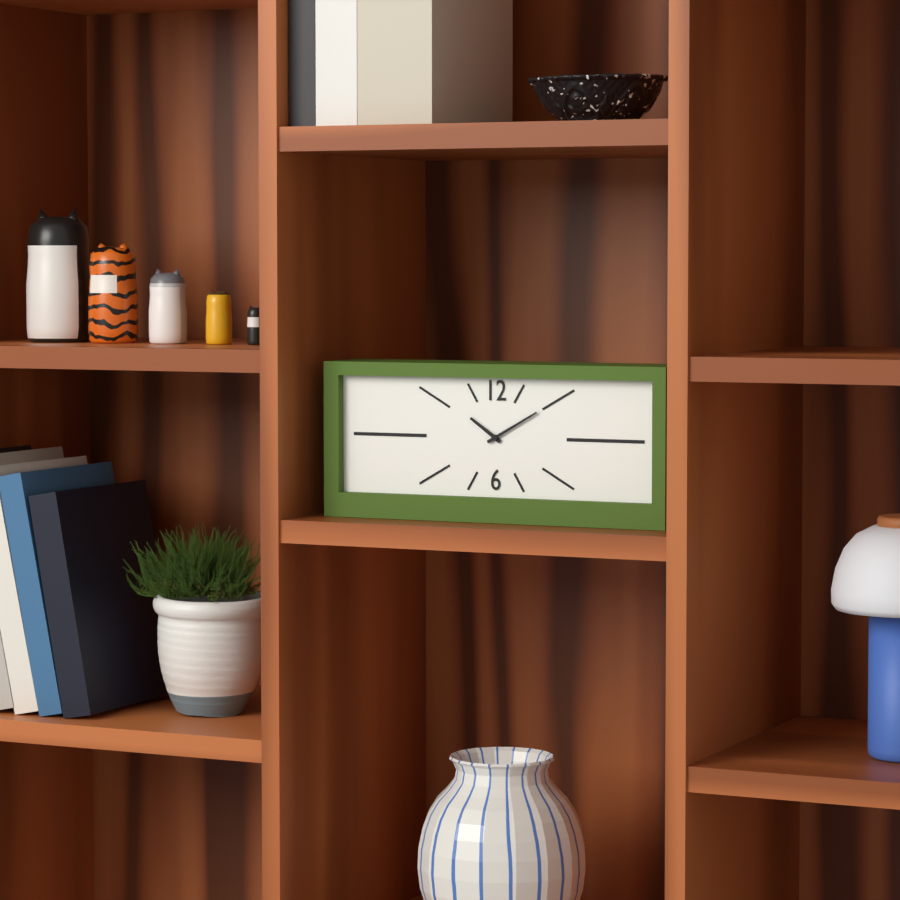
10:10
